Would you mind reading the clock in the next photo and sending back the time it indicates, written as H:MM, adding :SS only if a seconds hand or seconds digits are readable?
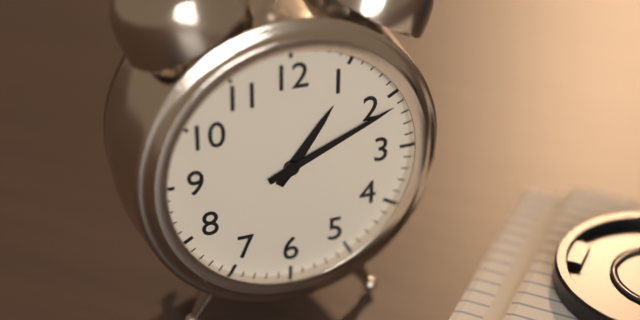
1:11
